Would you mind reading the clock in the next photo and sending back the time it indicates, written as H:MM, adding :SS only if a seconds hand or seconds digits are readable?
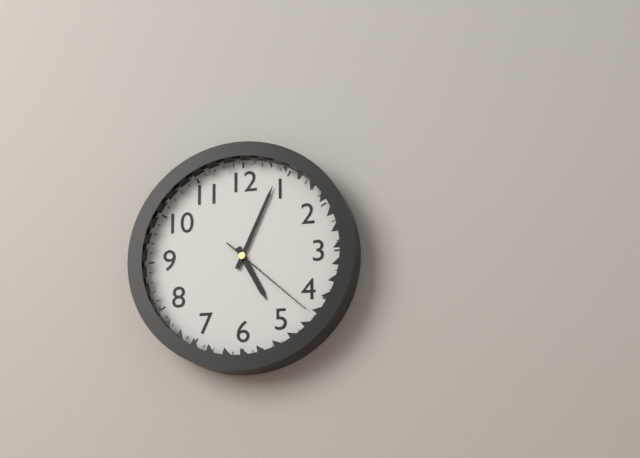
5:04:22
